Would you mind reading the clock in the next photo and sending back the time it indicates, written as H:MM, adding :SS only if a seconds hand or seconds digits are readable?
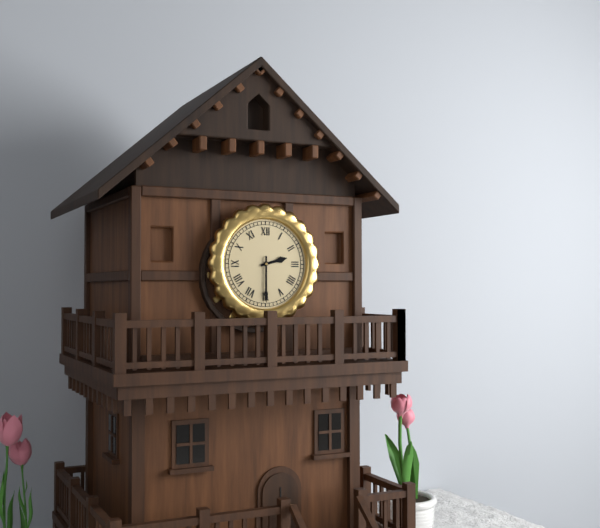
2:30
